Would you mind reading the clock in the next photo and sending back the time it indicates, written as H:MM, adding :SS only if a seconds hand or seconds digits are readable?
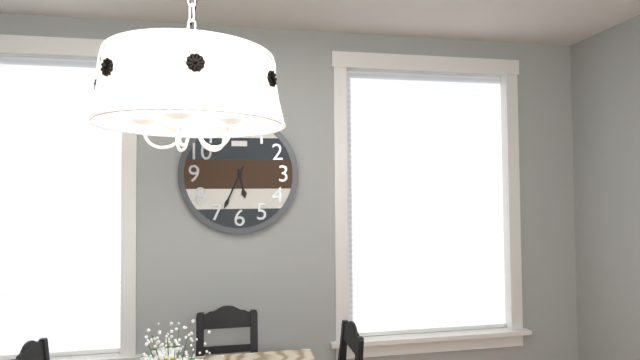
5:34
